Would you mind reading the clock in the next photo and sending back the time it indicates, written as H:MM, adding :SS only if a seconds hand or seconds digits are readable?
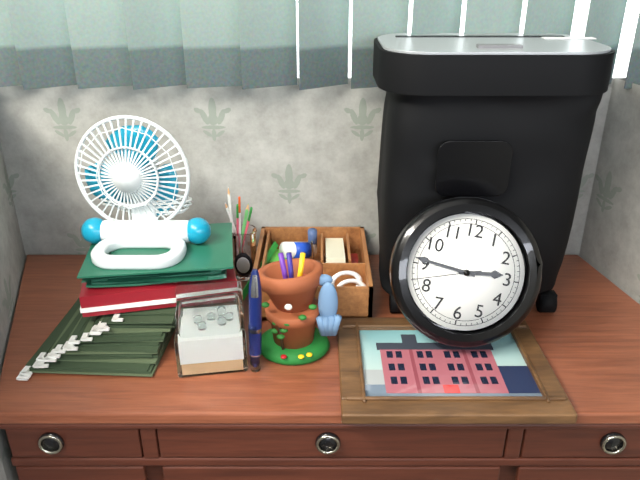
2:46:42
